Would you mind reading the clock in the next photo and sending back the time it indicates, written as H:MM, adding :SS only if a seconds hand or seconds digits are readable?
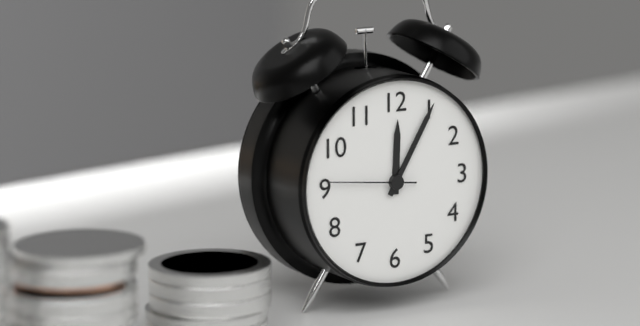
12:05:46
